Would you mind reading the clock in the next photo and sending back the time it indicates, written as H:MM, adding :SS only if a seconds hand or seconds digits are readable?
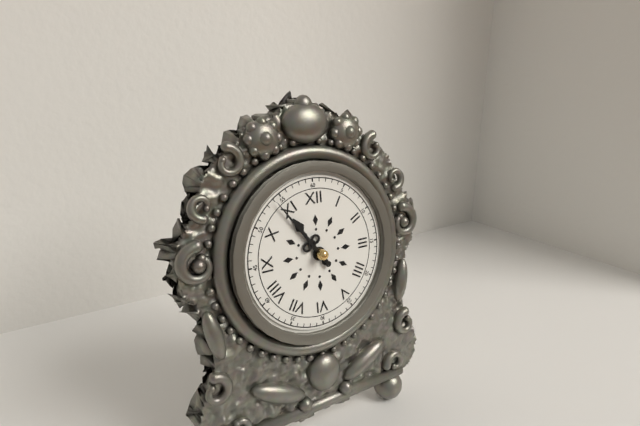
10:54
